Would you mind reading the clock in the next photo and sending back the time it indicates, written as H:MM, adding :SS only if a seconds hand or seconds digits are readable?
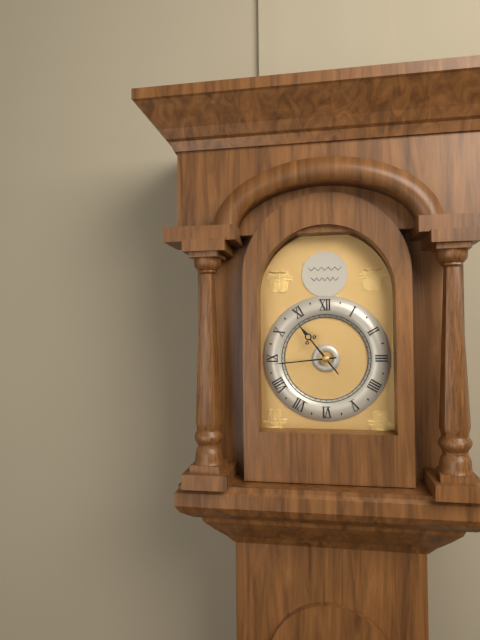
10:44
